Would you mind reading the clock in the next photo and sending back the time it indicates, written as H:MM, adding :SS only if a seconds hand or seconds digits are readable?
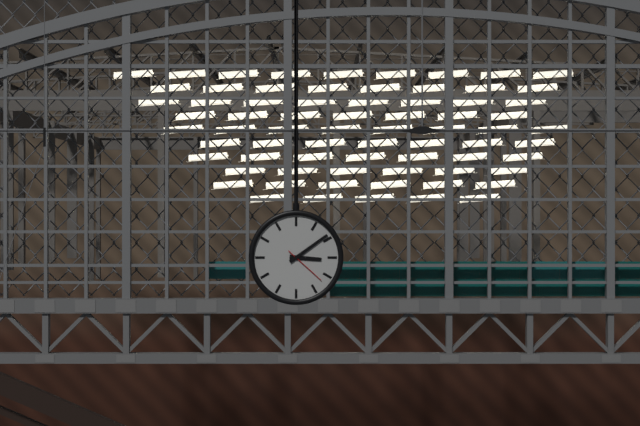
3:09
